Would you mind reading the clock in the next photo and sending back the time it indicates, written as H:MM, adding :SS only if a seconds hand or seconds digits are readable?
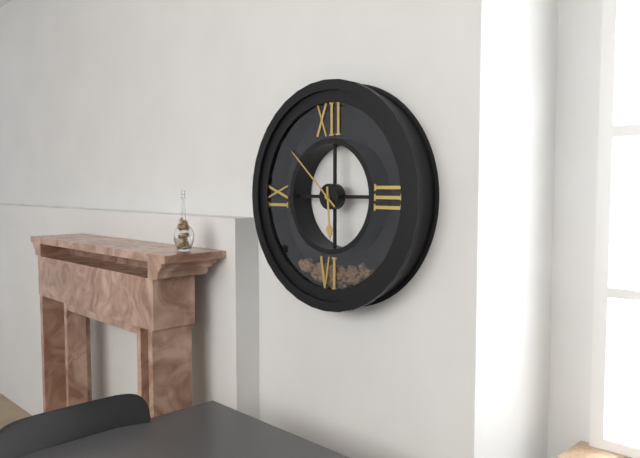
5:52
